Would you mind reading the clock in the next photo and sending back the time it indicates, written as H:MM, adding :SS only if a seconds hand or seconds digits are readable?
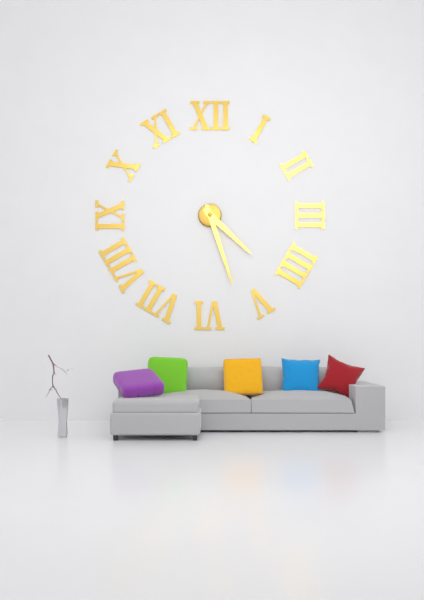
4:27
